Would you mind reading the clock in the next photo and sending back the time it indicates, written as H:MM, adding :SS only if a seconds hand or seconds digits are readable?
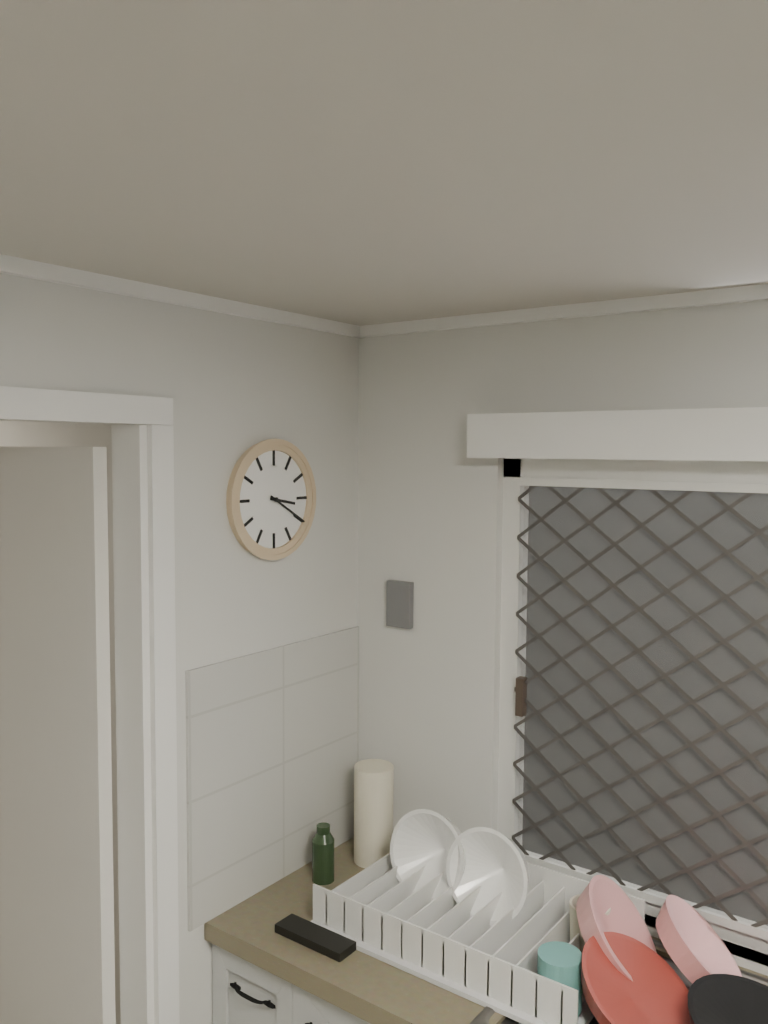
3:20
